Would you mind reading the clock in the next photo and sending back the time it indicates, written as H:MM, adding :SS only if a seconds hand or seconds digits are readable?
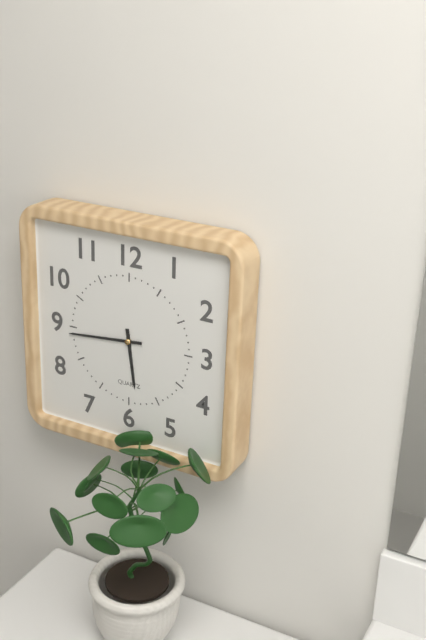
5:44
